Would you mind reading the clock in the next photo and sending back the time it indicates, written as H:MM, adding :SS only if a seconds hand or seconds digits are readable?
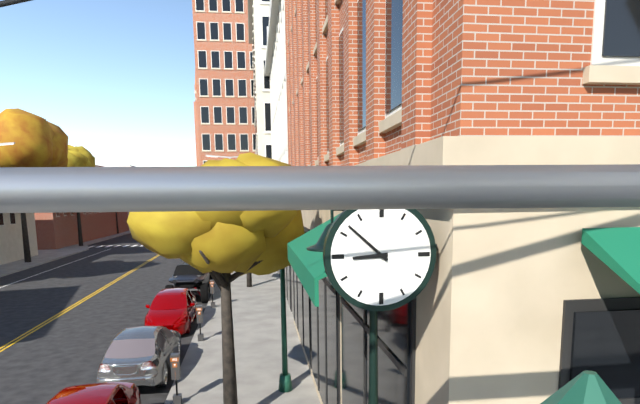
8:52
